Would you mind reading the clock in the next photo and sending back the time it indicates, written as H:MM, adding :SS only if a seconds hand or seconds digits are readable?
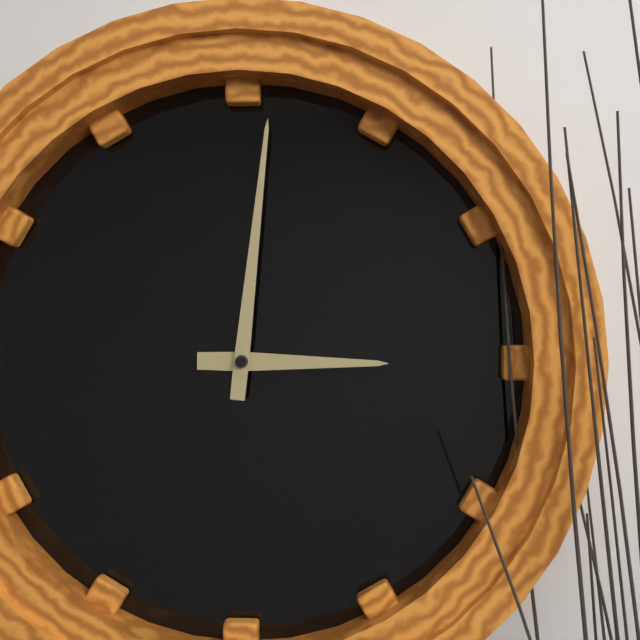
3:01
